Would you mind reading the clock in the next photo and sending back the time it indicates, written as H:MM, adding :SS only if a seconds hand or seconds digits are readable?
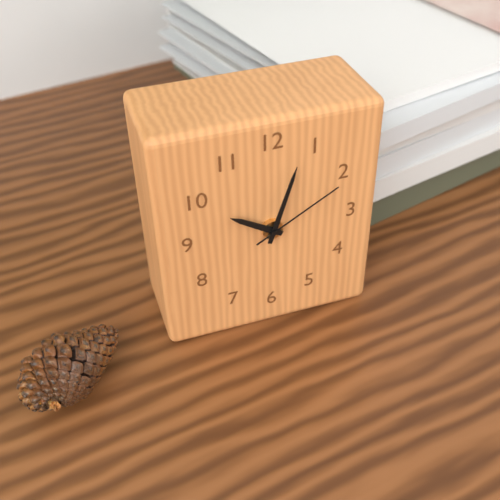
10:03:10
